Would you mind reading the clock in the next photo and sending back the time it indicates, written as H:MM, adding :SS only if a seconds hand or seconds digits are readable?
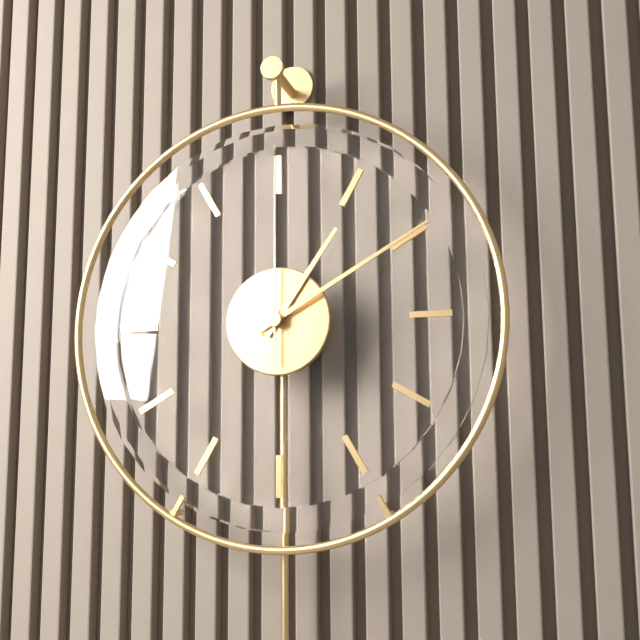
1:10:00
